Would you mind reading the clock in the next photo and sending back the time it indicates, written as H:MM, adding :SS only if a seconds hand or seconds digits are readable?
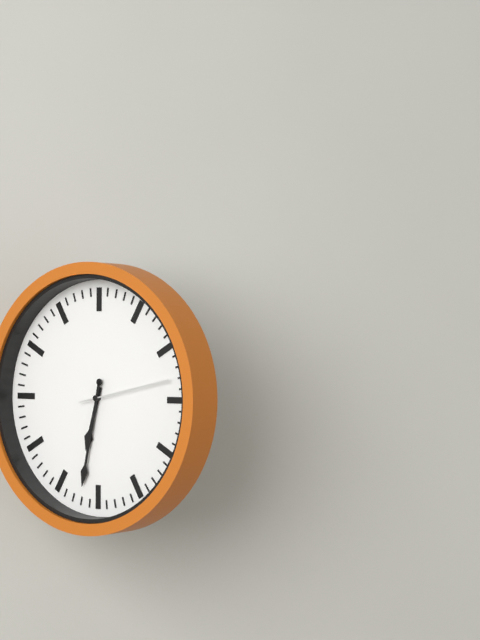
6:32:13
